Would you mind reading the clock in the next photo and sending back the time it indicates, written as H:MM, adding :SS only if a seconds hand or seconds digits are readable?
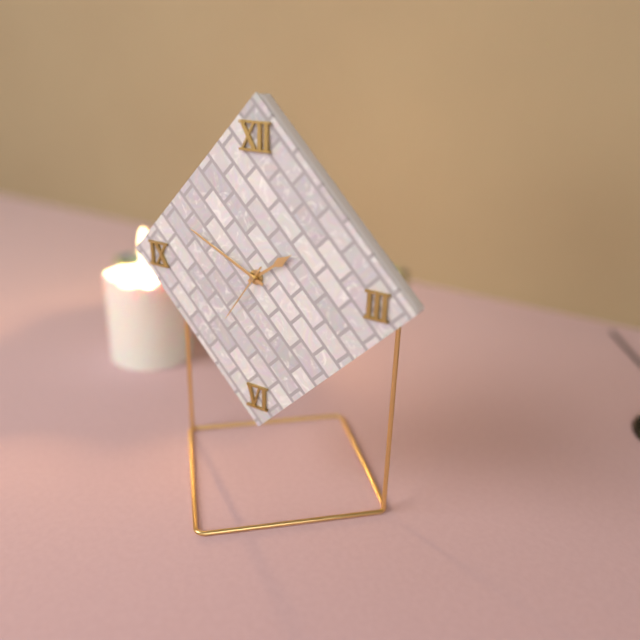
1:49:36
